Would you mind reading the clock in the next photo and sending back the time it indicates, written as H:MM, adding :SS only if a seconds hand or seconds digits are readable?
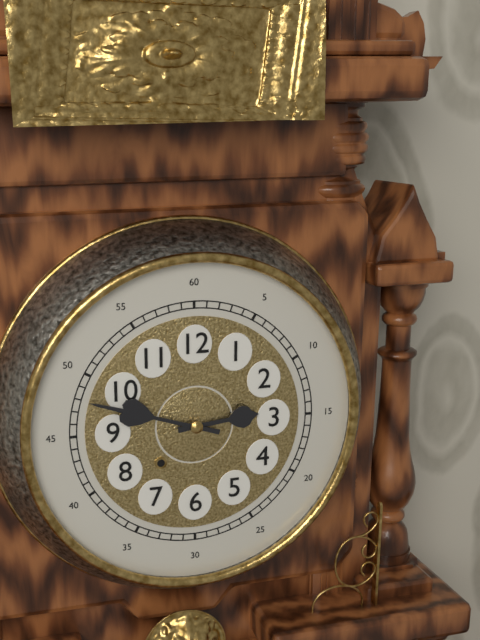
2:48
